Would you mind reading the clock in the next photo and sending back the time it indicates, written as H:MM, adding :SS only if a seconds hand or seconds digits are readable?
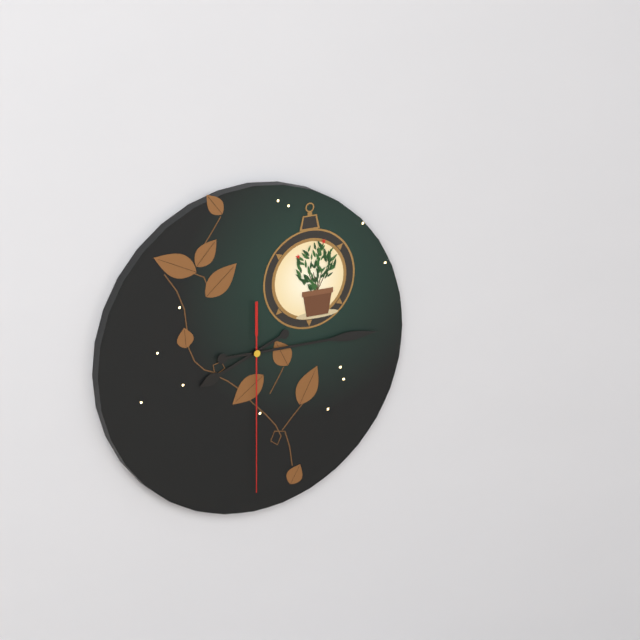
8:15:30
